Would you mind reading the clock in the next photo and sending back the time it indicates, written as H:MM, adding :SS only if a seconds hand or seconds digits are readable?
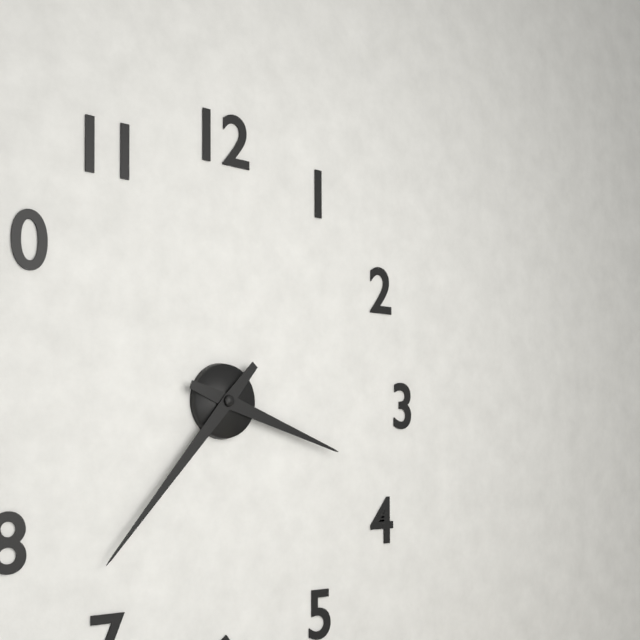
3:37
